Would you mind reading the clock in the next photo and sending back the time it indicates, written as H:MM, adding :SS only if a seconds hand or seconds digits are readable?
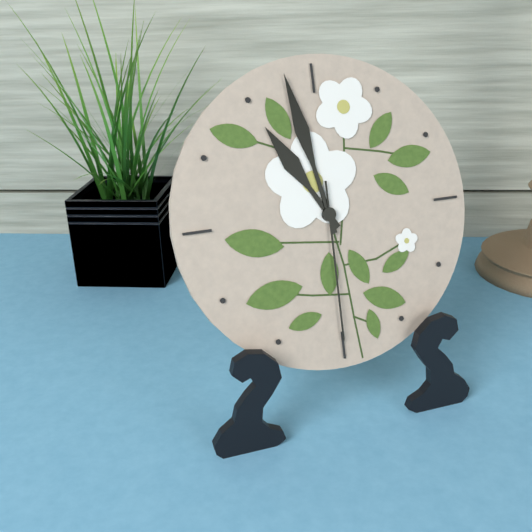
10:58:30
